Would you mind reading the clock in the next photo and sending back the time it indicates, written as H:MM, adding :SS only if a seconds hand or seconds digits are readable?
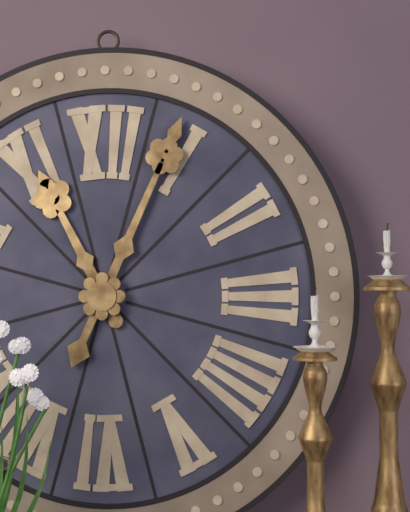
11:04
